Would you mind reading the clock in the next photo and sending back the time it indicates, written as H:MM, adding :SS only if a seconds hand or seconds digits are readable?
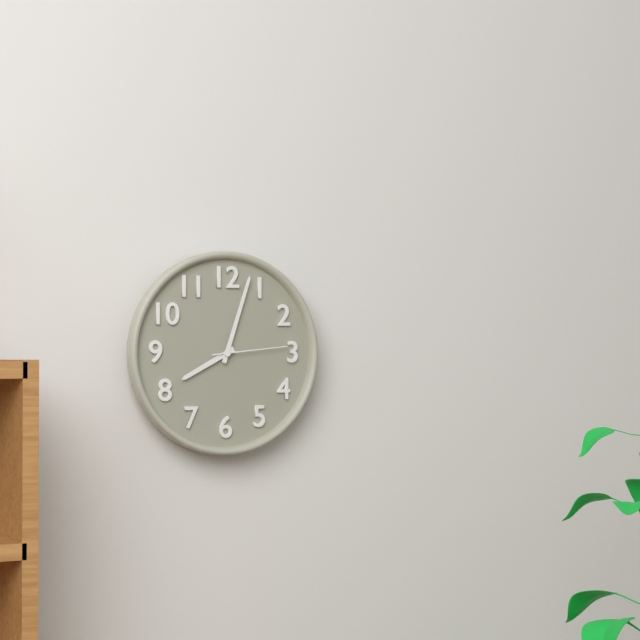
8:03:14
